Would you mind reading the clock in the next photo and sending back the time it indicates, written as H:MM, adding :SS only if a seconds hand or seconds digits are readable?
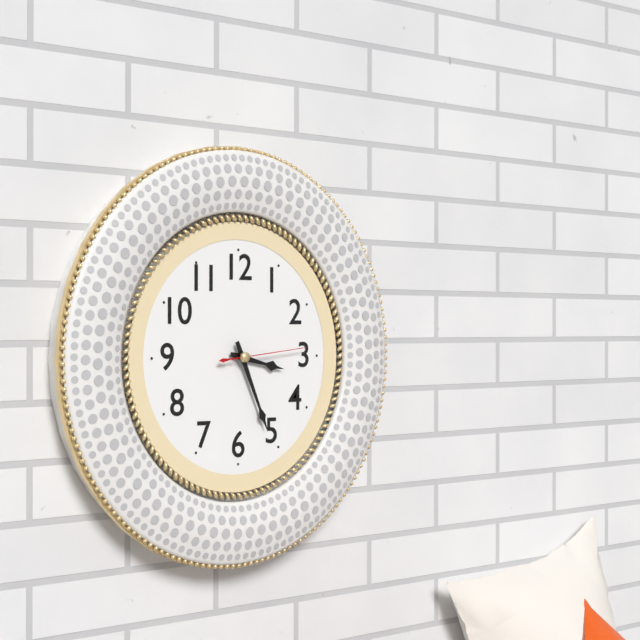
3:26:14
